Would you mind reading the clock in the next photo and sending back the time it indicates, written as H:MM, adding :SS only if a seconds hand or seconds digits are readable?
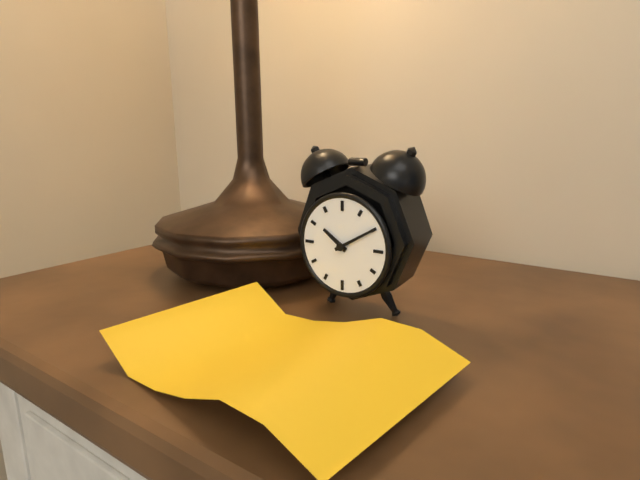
10:10
